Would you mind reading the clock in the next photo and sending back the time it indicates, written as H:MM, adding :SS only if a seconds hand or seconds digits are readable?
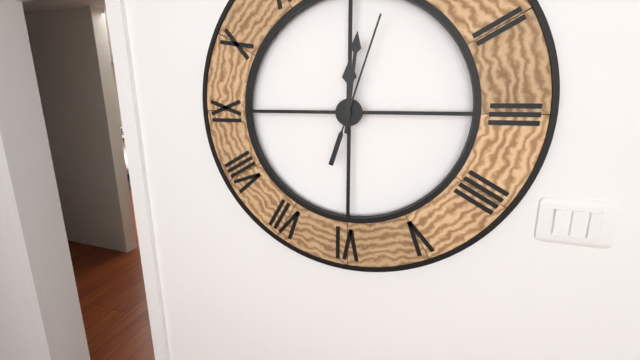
12:01:03
